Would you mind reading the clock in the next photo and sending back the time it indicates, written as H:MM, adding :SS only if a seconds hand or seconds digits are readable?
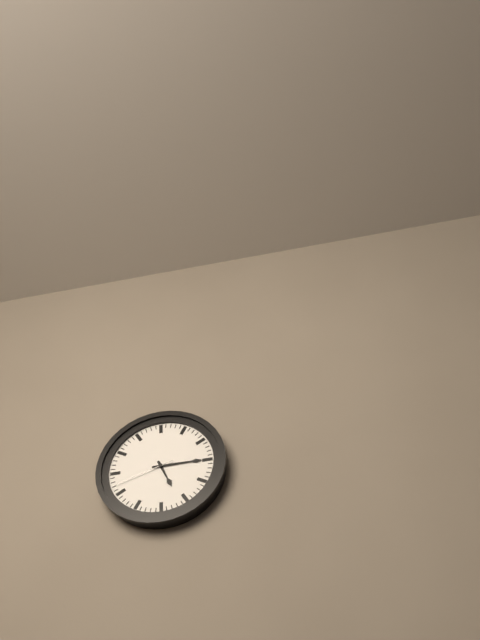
5:15:42
